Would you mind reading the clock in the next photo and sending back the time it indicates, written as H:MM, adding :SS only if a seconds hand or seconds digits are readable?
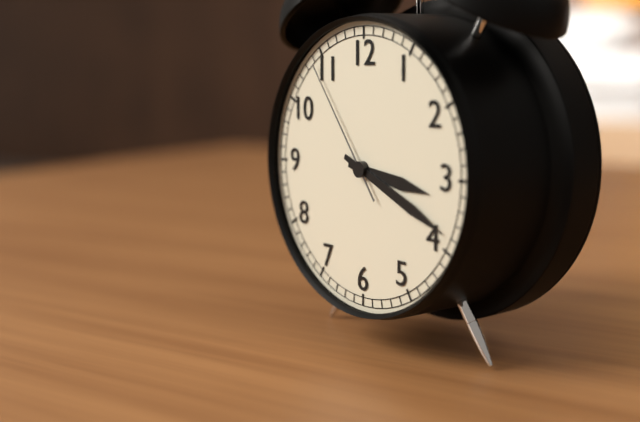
3:19:54
